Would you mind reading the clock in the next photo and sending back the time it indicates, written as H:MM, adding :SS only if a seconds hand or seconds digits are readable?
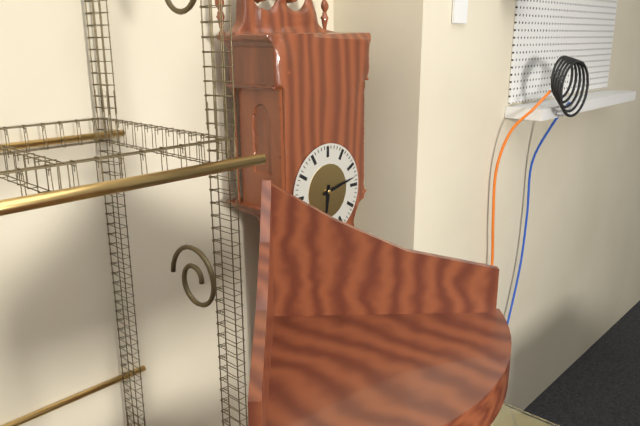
6:13
